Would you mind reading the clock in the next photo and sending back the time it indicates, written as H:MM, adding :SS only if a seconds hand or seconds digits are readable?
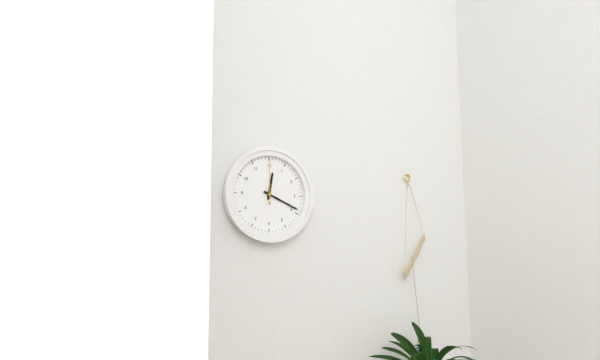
12:19
